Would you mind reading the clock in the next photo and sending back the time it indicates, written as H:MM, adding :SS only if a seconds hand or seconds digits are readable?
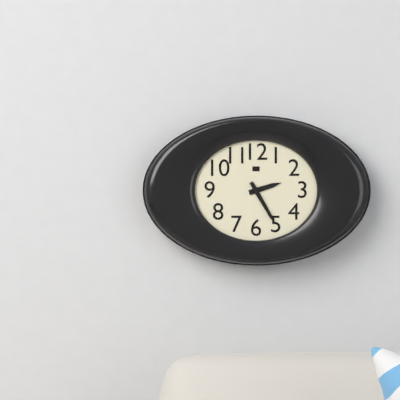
2:25
